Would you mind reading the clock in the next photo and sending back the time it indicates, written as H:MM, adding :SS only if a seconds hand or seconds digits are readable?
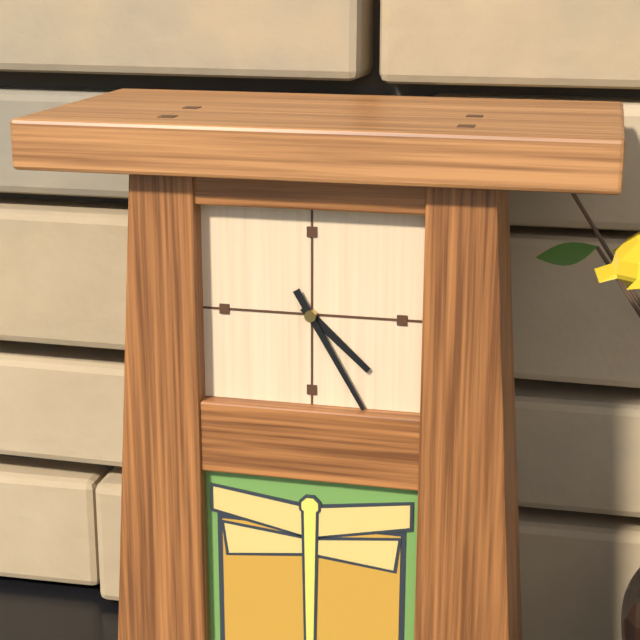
4:25
